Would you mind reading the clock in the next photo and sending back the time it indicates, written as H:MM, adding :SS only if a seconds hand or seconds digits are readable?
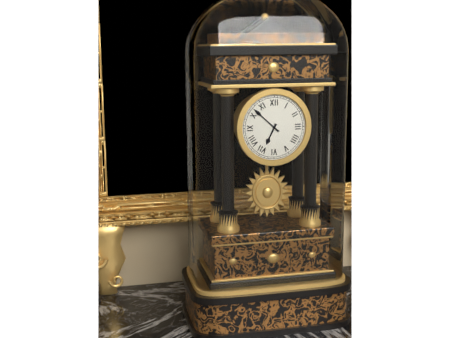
6:52
